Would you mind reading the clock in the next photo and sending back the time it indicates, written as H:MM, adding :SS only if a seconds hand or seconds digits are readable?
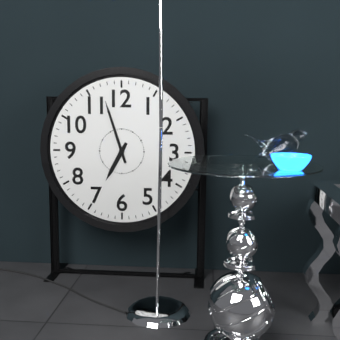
6:57
